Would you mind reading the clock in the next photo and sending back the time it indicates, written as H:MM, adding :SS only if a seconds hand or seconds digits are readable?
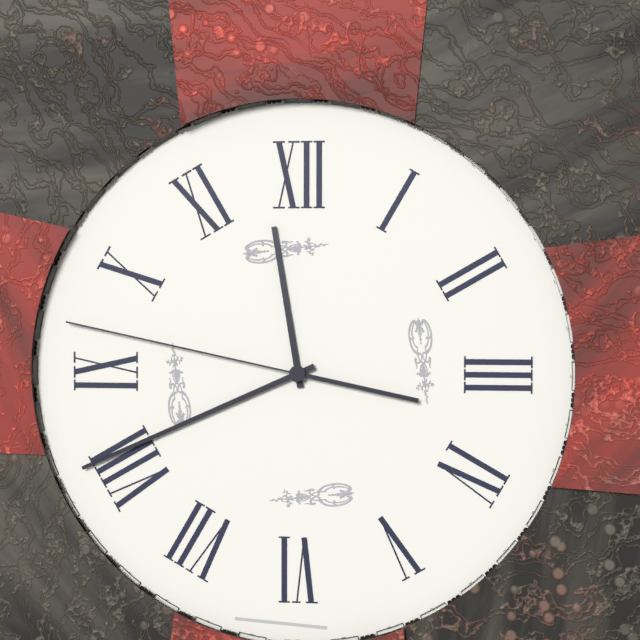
11:41:47
